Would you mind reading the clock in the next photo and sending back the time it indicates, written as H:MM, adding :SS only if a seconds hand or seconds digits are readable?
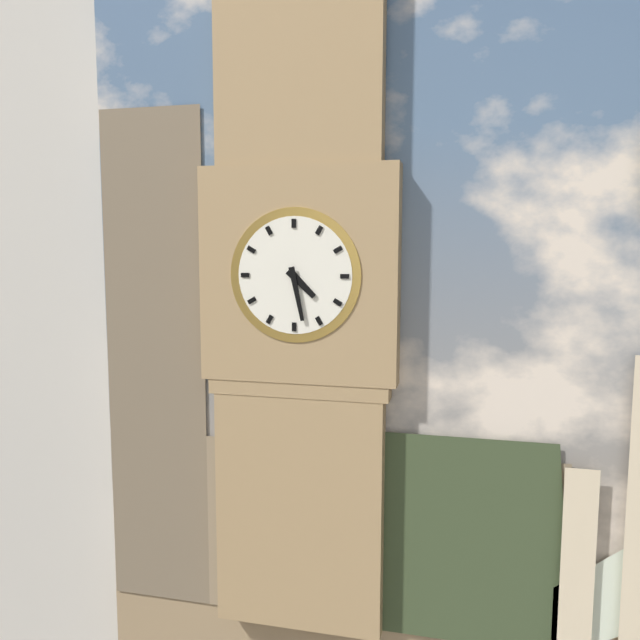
4:28
